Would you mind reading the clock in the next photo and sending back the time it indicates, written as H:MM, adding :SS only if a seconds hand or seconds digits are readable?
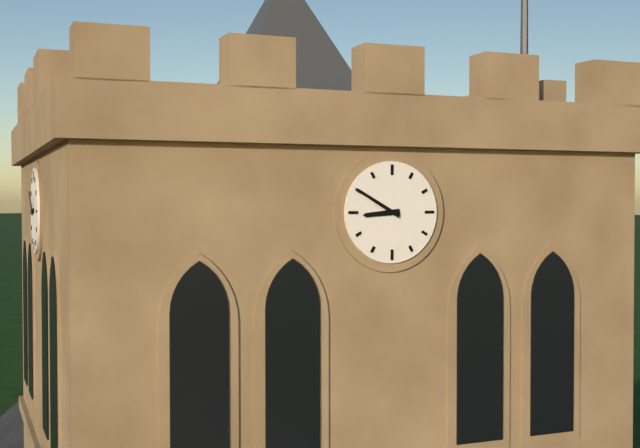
8:50
